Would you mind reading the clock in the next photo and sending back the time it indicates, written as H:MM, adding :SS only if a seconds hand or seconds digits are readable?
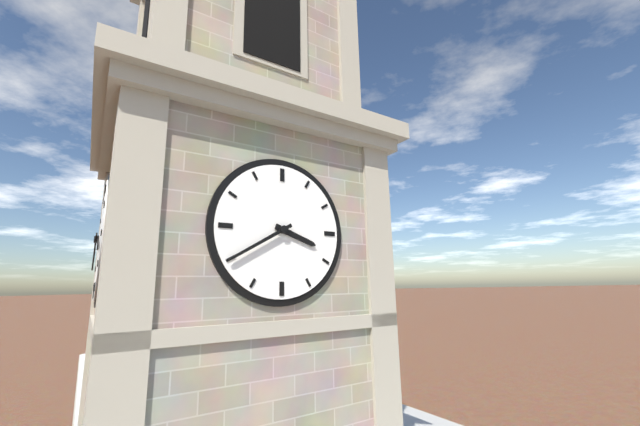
3:40
